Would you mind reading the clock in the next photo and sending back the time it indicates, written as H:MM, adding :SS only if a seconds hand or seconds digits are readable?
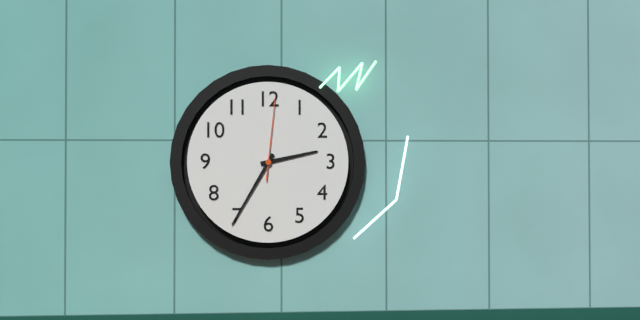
2:35:01
